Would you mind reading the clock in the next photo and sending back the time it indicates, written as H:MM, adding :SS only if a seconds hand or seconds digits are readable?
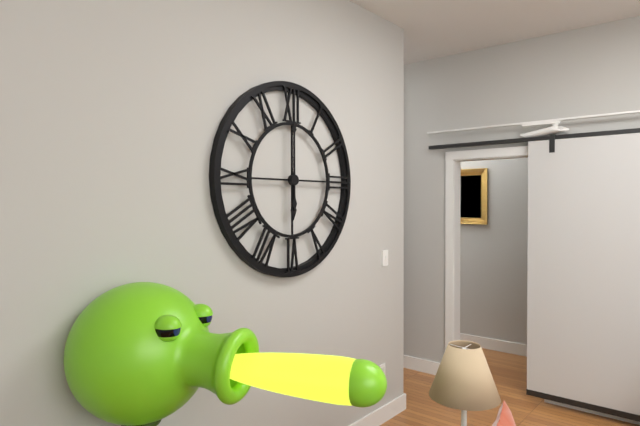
6:00
